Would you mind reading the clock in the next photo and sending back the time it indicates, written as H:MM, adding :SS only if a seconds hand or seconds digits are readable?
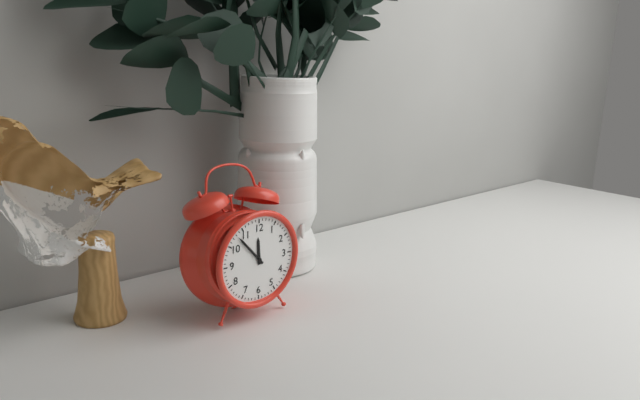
11:53
